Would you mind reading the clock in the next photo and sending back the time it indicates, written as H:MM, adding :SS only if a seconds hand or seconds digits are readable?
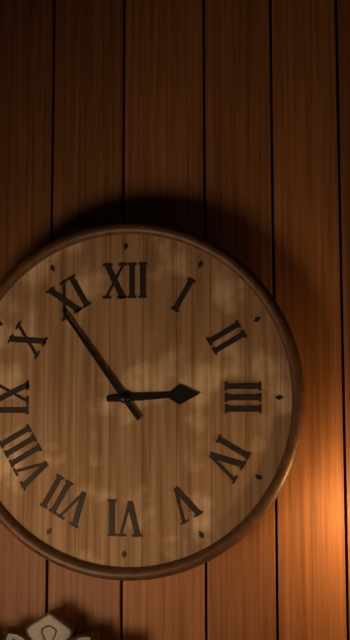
2:54
